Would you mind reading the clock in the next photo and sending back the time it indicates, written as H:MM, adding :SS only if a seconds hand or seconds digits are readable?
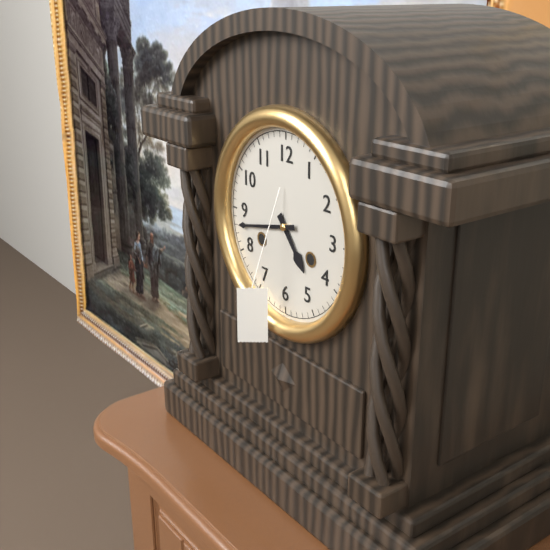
4:43
